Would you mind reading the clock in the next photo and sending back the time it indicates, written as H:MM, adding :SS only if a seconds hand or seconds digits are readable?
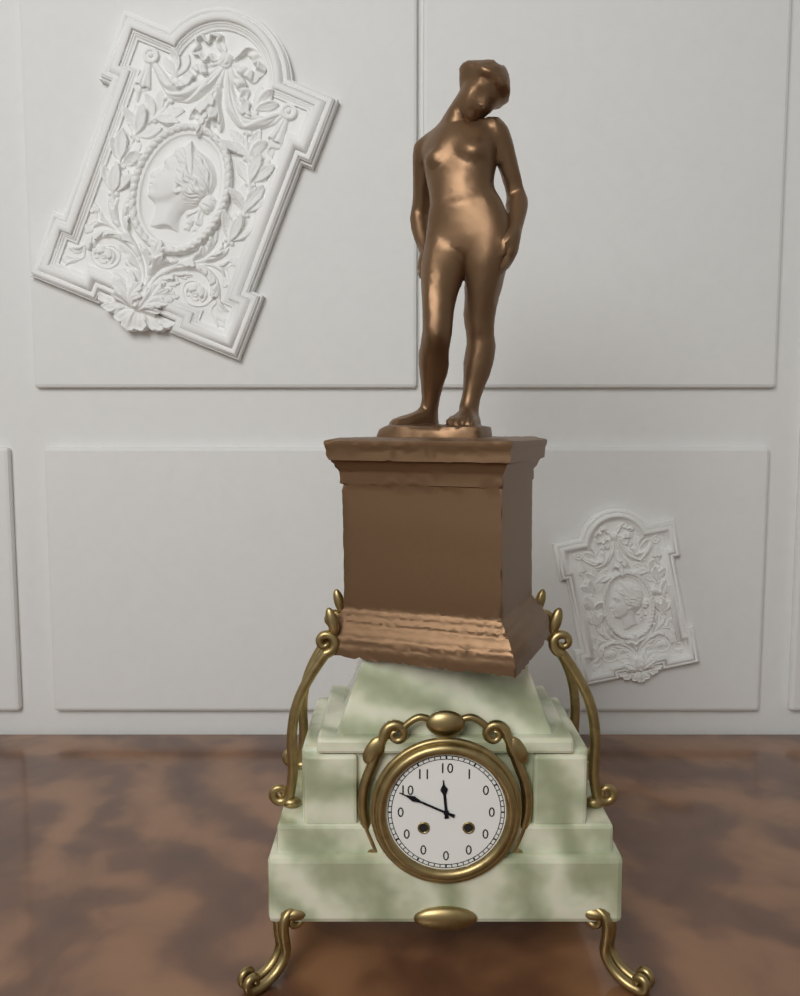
11:49
